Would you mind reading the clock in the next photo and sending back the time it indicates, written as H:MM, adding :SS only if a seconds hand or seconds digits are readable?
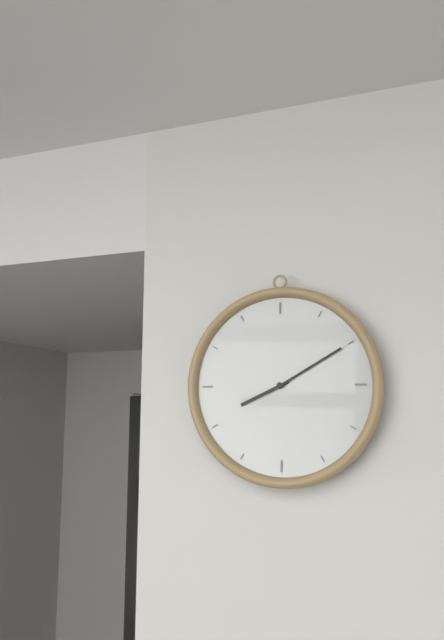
8:10
